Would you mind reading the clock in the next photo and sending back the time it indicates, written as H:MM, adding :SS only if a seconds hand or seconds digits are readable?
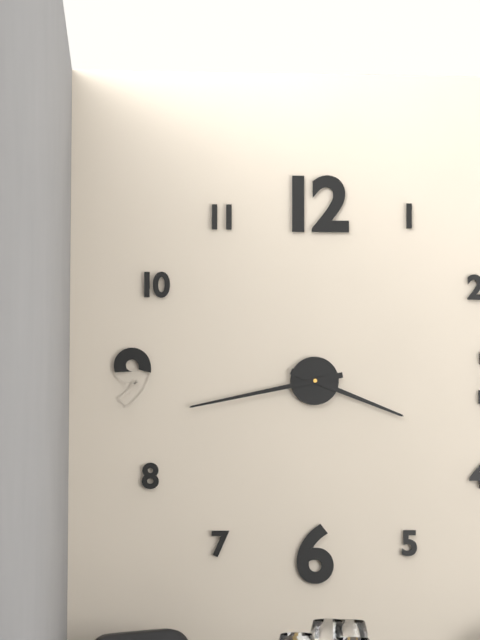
3:43
